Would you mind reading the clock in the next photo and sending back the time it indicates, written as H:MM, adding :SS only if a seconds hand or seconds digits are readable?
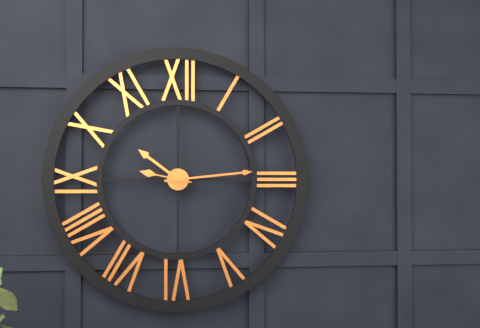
10:14
